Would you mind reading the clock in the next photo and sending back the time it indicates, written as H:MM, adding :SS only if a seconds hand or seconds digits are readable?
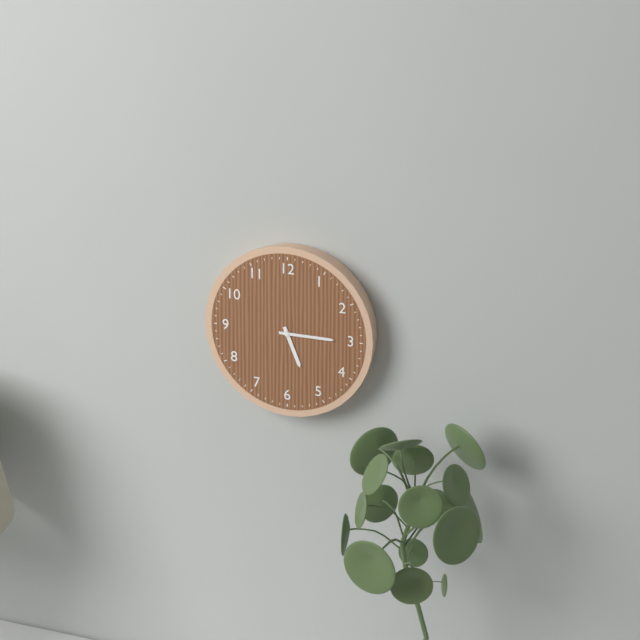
5:15
